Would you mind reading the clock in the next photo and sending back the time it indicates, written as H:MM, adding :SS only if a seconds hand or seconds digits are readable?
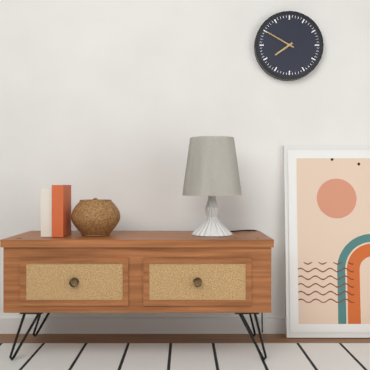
7:50
